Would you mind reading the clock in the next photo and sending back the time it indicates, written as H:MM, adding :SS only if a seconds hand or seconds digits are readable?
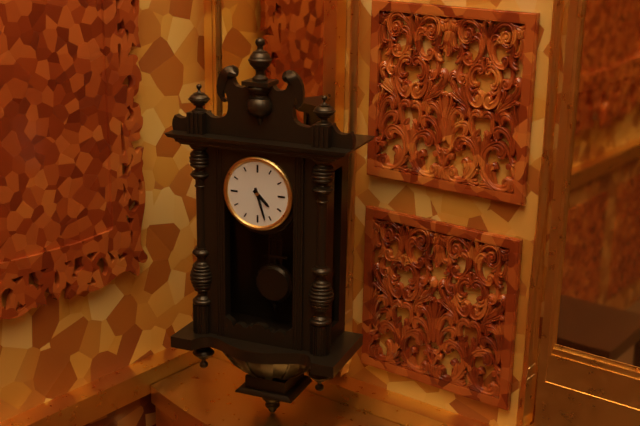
4:27
